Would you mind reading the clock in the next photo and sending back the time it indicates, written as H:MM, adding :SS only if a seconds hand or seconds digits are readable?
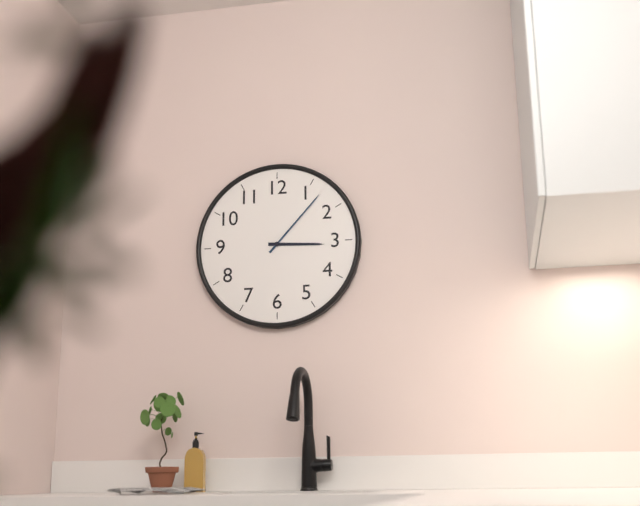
3:07
